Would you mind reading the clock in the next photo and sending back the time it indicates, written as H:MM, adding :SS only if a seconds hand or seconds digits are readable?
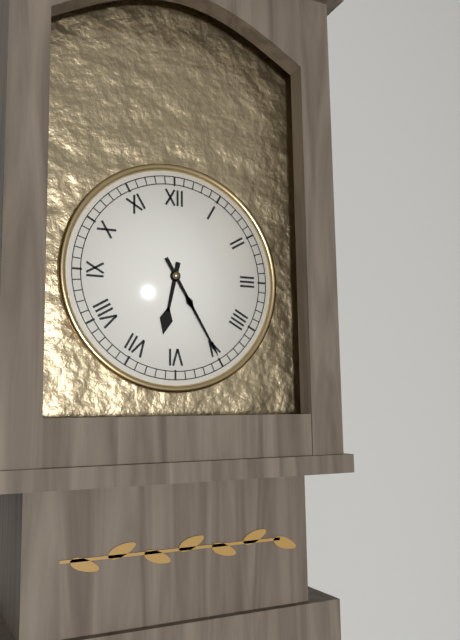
6:25
